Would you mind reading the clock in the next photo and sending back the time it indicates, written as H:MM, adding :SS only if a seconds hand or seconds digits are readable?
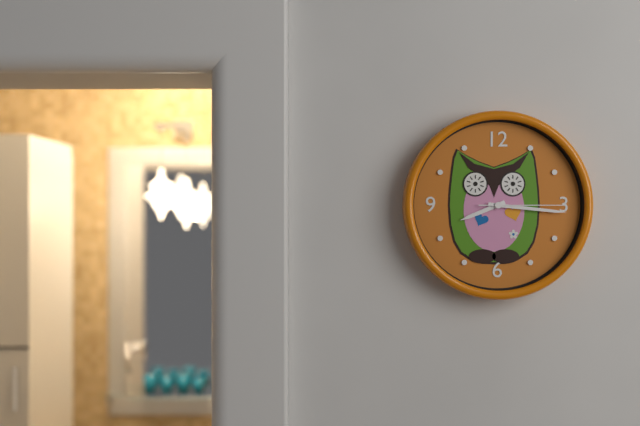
8:16:15
